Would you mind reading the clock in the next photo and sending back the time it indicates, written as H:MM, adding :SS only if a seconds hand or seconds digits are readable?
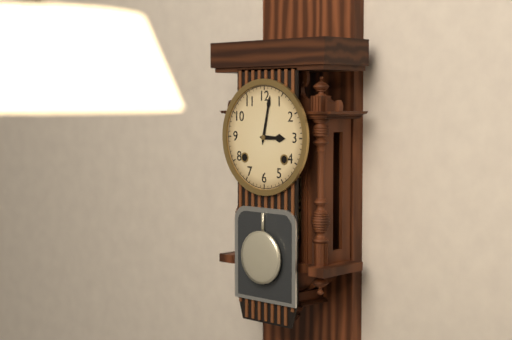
3:02
